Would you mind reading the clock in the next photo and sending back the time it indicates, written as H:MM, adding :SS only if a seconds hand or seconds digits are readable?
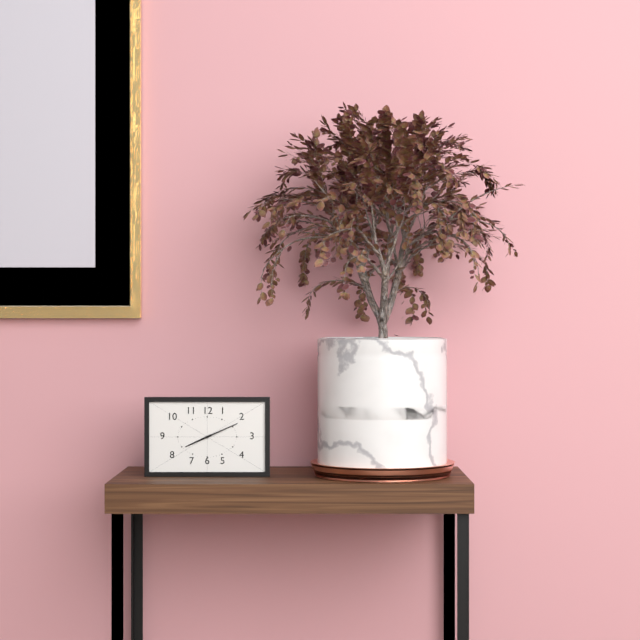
8:11
